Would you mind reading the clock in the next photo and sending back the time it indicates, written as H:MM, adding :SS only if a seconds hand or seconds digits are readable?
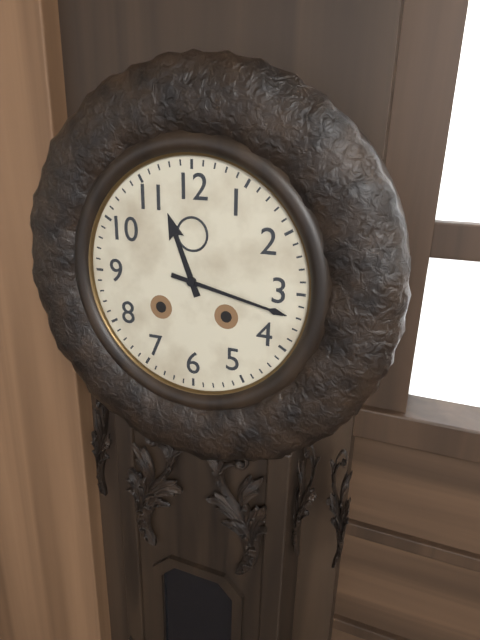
11:17
